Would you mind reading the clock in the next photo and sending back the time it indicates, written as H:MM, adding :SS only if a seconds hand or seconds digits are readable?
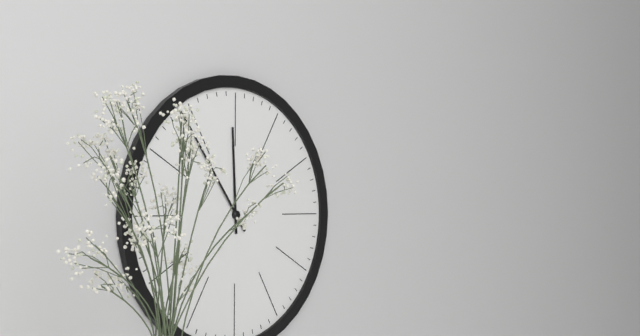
11:54
